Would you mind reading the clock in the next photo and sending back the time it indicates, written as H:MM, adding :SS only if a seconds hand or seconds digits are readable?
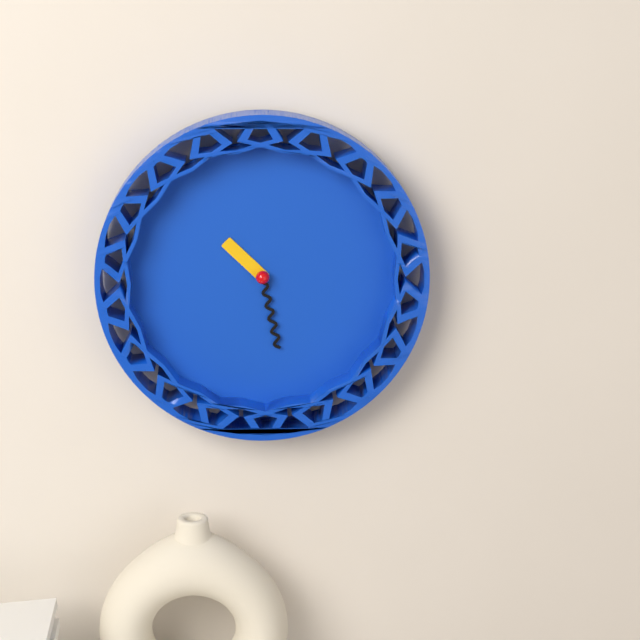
10:28
